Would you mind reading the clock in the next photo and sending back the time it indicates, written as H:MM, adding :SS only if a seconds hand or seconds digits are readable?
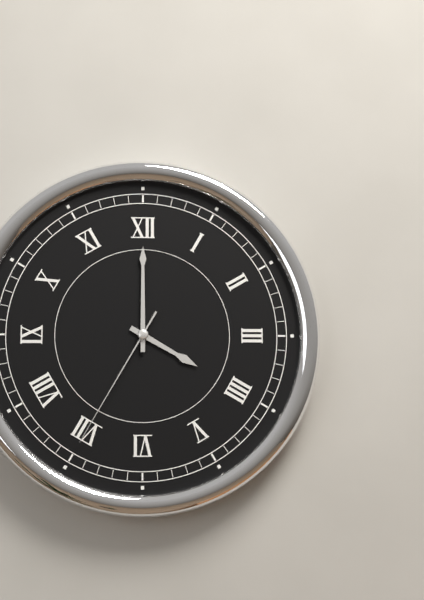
4:00:35
